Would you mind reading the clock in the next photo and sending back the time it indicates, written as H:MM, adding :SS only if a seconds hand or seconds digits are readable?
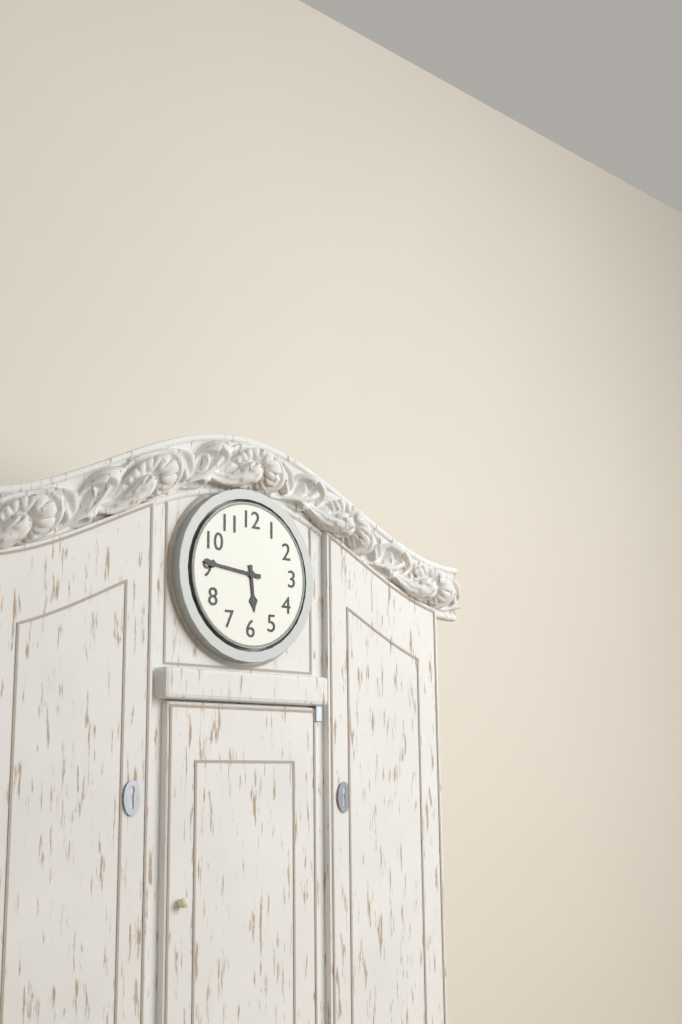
5:46
